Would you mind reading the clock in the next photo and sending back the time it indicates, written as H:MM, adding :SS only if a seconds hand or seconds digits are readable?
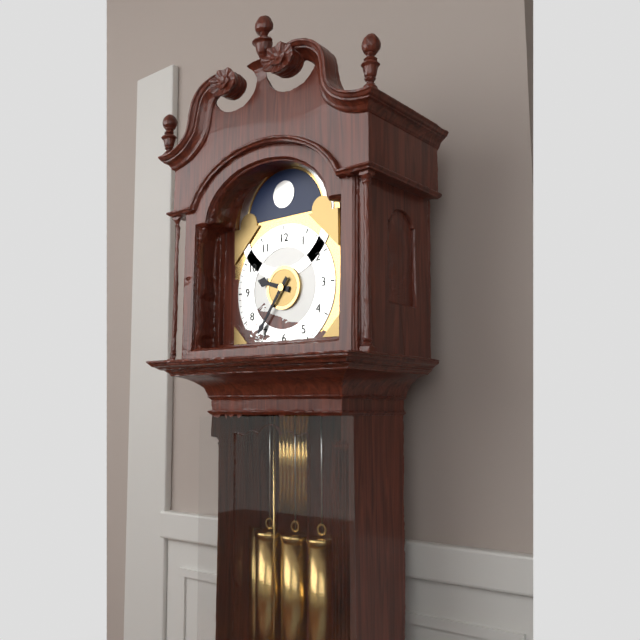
9:36
